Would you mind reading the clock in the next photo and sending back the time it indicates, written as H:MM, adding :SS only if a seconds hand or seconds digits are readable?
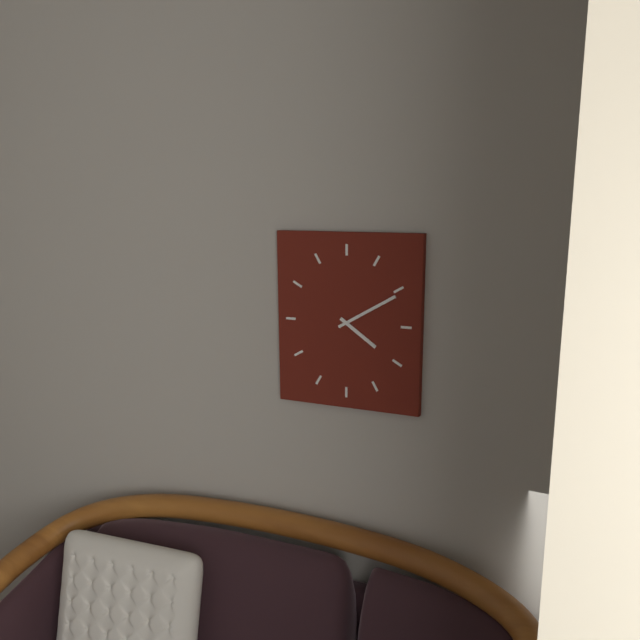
4:10
